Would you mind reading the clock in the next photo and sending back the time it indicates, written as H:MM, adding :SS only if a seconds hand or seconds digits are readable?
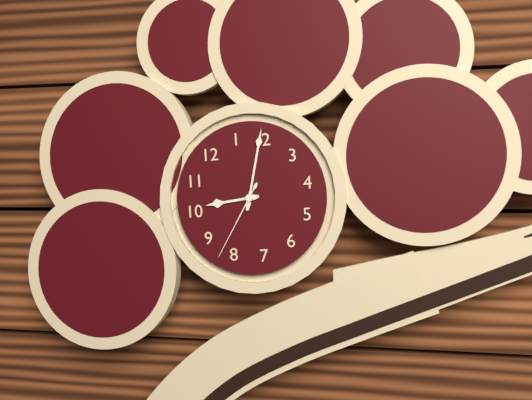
10:09:42
